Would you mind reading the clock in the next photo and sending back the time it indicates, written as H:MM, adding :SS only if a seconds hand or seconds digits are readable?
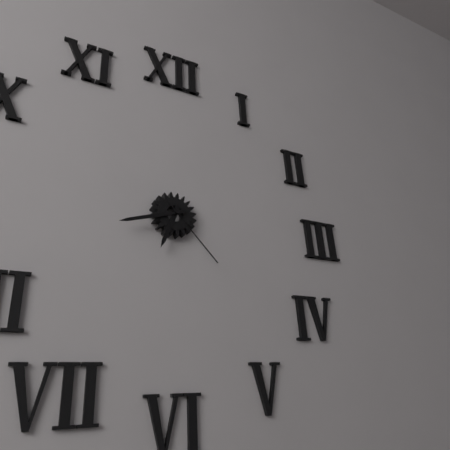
6:42:23
